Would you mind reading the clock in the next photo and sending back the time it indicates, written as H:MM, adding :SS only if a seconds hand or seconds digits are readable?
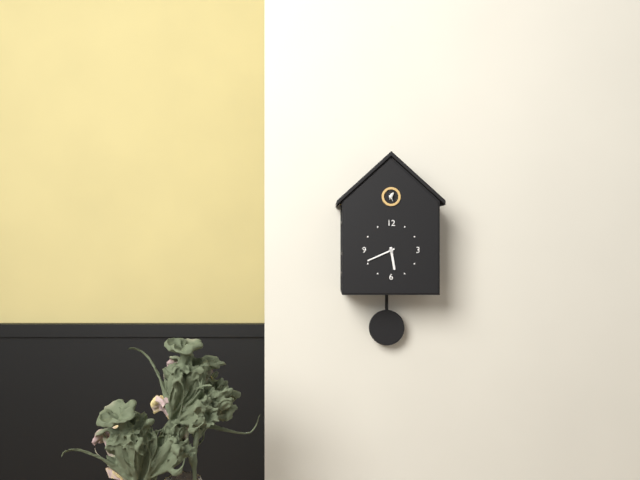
5:41
